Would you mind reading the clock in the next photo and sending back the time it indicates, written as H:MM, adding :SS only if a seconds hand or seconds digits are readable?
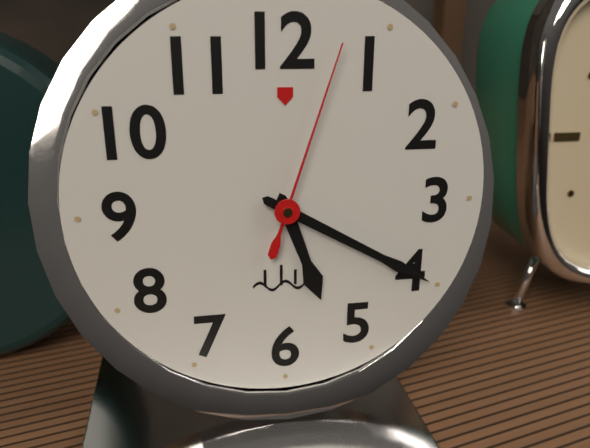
5:20:03
